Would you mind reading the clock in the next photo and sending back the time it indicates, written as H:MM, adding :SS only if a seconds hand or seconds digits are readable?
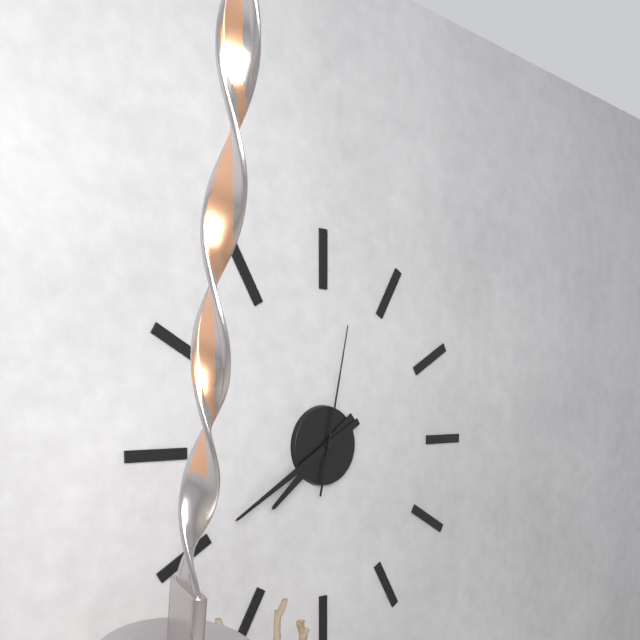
7:40:02
